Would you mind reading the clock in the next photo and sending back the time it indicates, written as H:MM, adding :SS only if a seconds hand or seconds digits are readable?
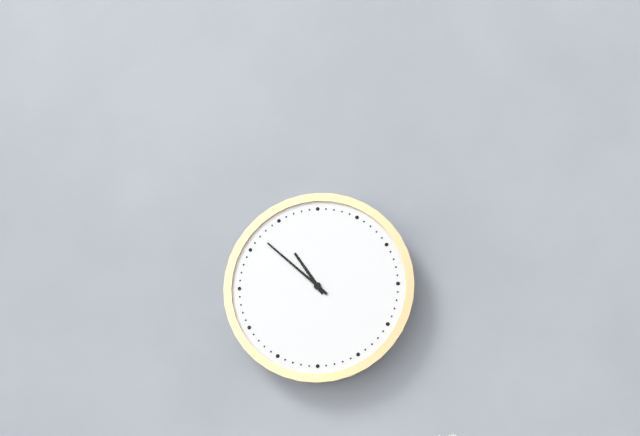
10:52
